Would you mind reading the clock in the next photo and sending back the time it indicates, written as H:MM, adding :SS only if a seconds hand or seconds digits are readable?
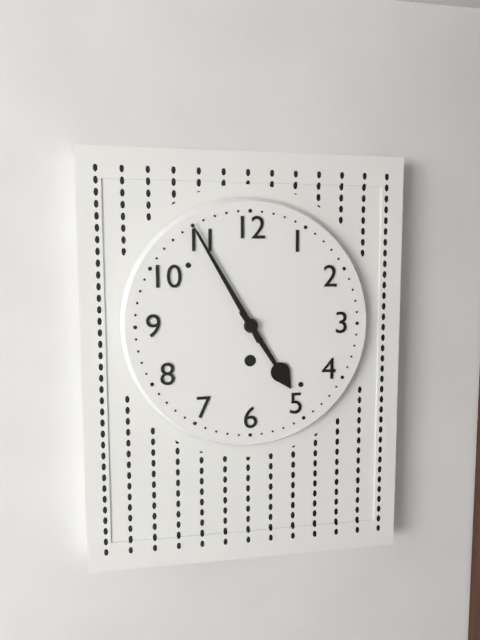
4:55
